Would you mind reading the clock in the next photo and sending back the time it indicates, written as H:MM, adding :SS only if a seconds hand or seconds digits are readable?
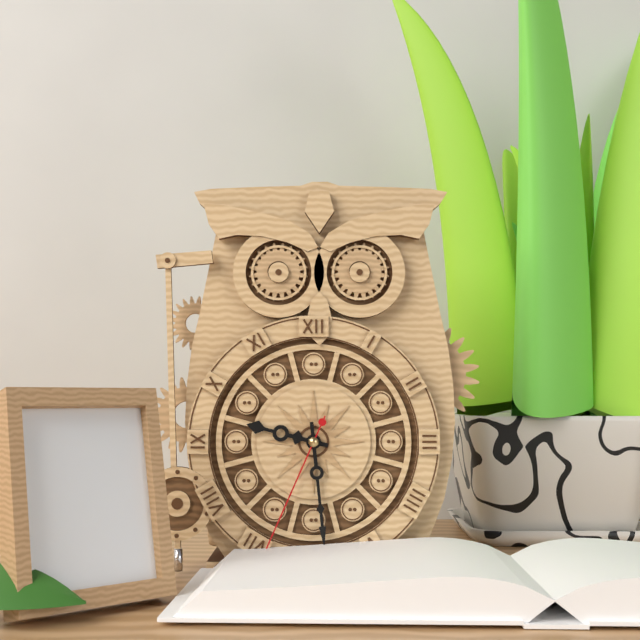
9:29:34
